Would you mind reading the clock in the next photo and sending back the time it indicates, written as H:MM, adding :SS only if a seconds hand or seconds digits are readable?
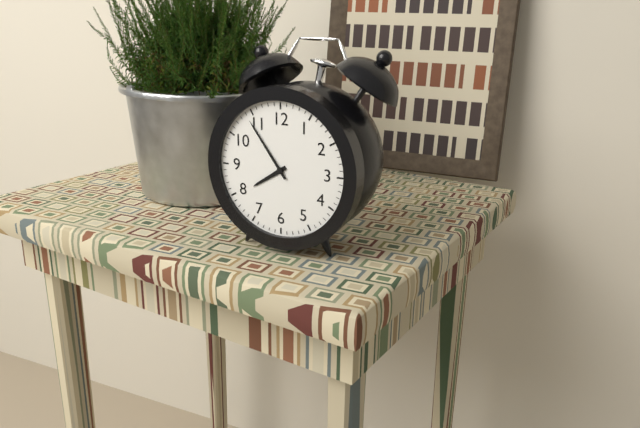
7:54
